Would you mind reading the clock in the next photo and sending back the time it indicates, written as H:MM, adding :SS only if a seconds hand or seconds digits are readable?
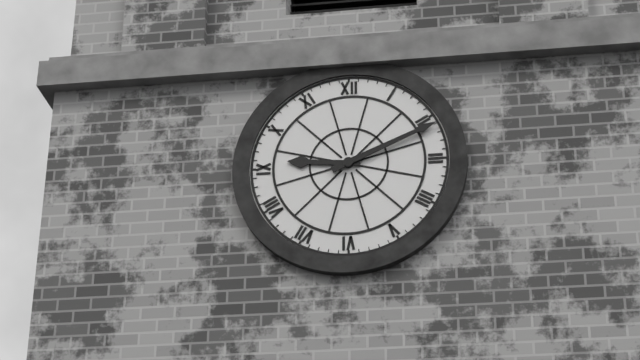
9:11
